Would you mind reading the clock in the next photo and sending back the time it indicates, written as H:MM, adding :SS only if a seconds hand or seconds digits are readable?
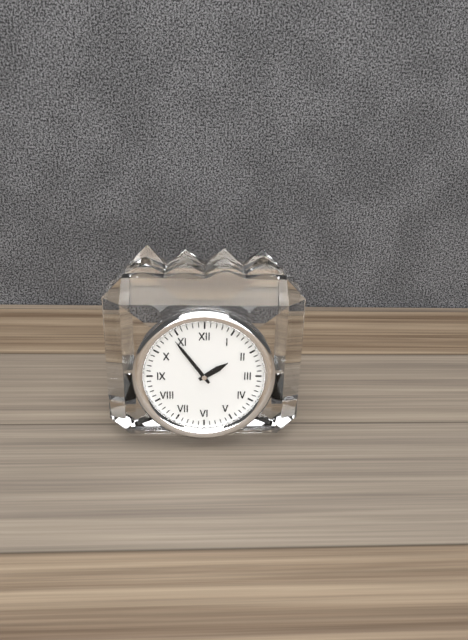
1:54
